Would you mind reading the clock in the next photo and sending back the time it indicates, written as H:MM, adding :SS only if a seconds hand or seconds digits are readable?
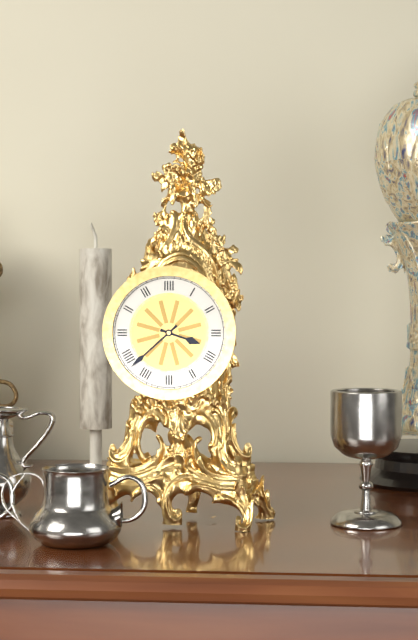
3:38
